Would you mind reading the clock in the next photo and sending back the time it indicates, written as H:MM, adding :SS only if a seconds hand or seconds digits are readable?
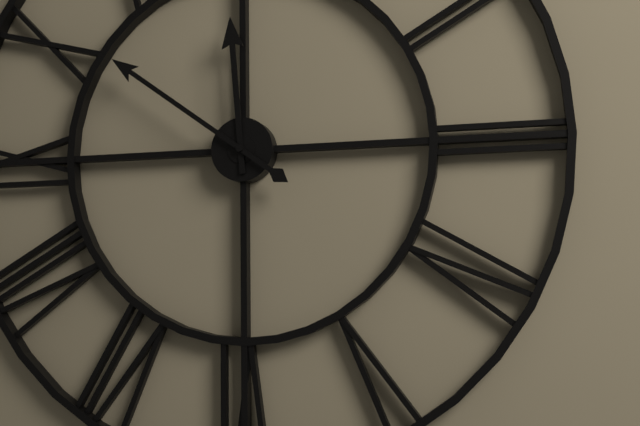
11:51
